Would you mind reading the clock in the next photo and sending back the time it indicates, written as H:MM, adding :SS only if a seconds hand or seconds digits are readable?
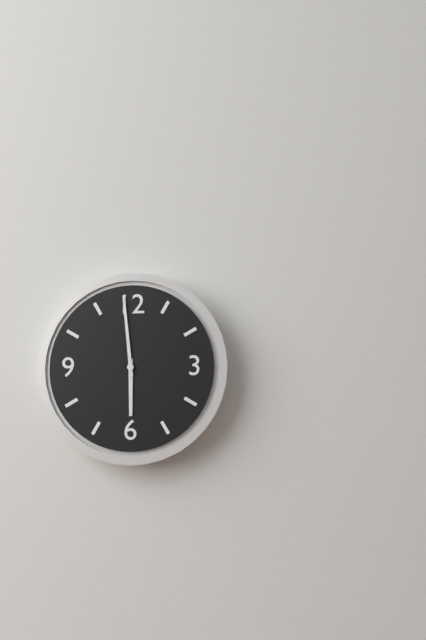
5:59
